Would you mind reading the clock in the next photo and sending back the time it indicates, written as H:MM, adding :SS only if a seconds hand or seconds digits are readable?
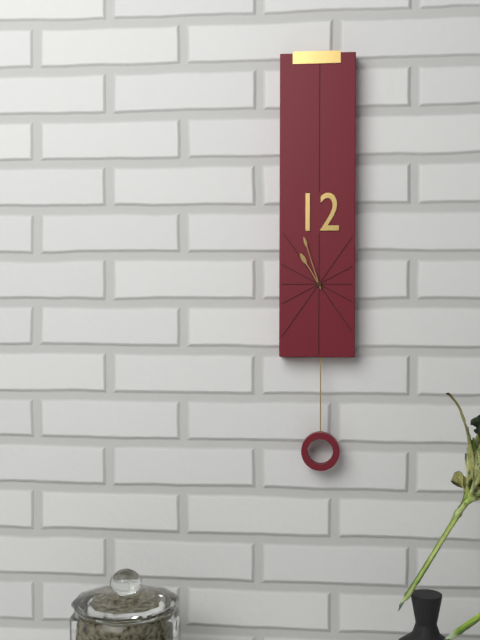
10:57
